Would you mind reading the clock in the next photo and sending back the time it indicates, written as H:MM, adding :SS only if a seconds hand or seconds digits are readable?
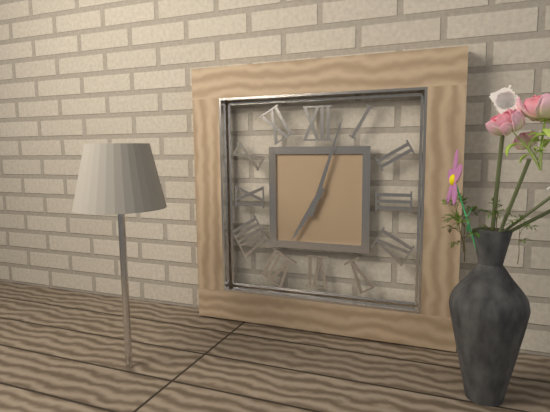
7:03
